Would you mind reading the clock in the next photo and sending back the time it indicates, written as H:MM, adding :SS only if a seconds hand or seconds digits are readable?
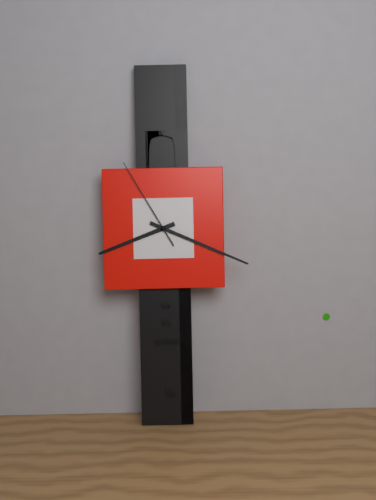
8:19:55
